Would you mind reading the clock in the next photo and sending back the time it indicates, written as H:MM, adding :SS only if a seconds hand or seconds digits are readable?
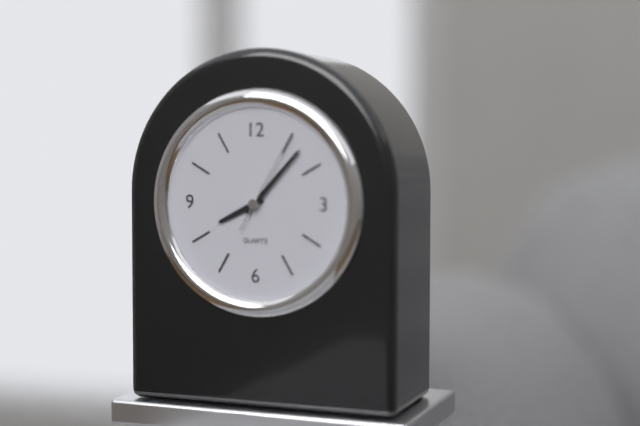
8:07:05
